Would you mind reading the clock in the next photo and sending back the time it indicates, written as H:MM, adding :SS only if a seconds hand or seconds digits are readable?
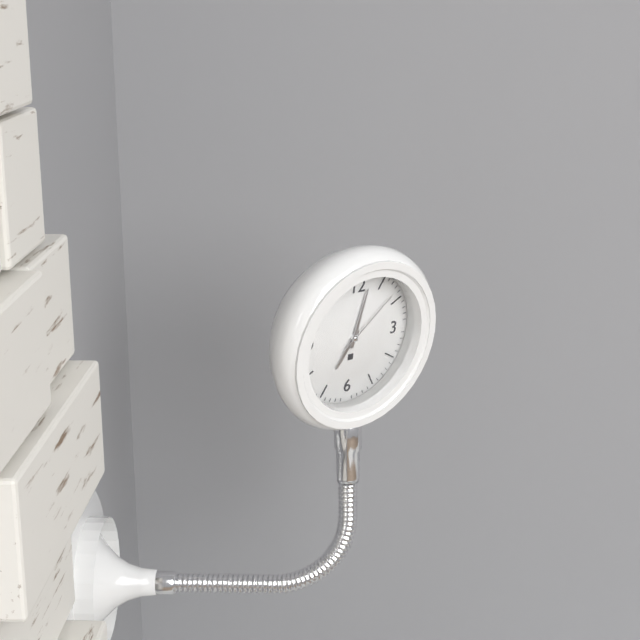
7:02:08
